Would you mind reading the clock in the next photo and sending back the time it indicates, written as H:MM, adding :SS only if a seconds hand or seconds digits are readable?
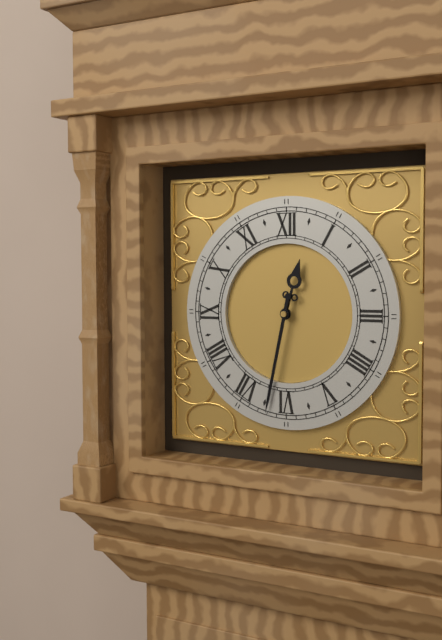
12:32
